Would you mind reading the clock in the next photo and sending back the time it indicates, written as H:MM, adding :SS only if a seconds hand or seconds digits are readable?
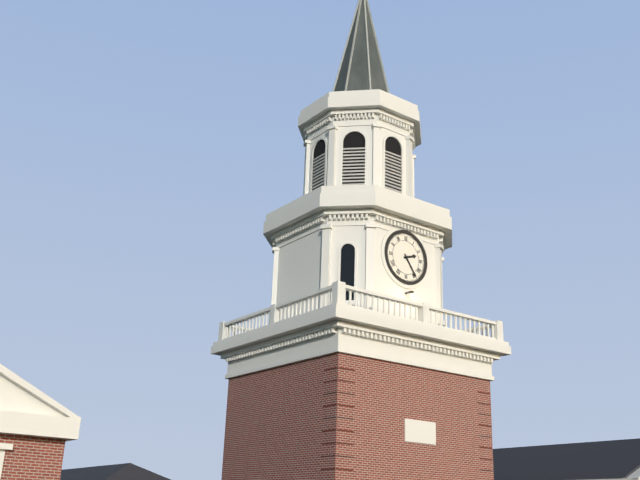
2:24
